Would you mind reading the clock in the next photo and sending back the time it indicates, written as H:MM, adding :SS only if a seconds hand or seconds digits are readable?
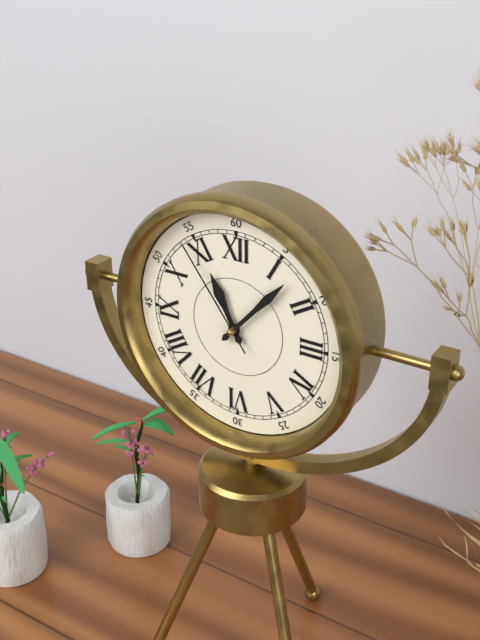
11:07:54
